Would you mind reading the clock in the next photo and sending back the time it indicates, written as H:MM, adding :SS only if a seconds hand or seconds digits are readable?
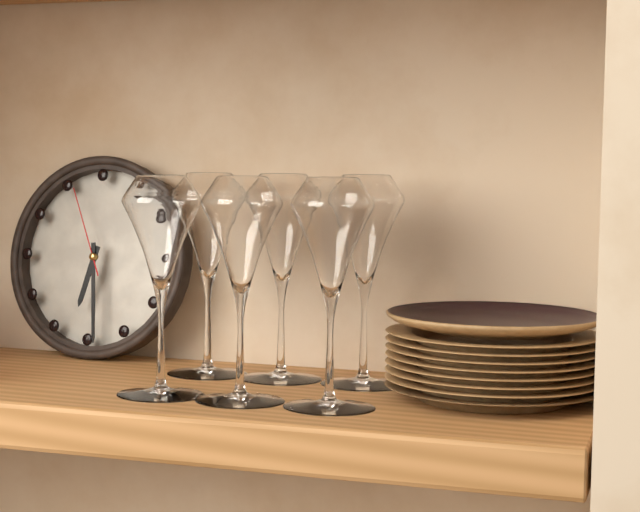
6:29:56
